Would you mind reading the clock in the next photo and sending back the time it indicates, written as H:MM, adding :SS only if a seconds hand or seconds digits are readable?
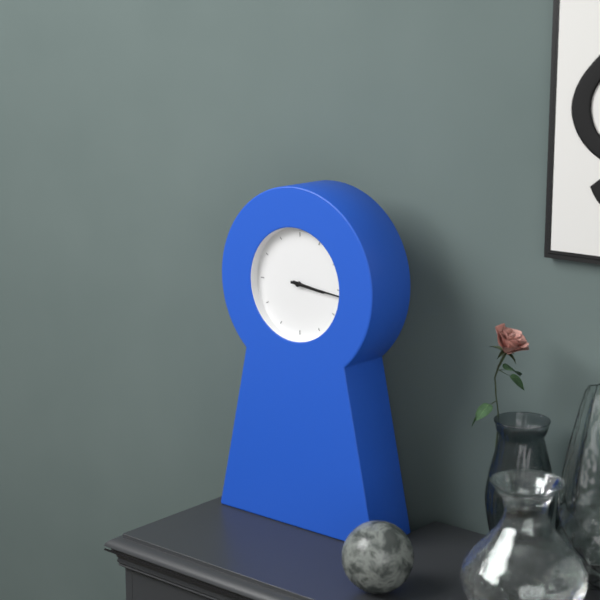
3:16
